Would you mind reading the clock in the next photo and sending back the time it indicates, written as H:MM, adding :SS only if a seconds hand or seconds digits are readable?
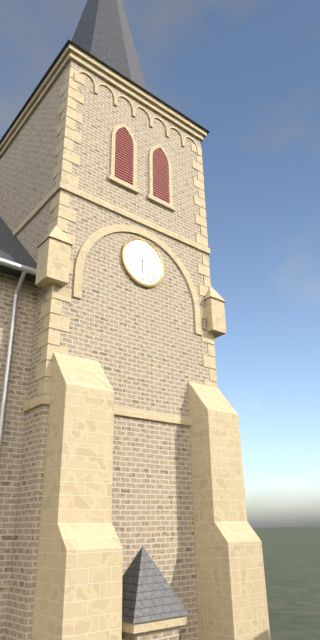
12:30
